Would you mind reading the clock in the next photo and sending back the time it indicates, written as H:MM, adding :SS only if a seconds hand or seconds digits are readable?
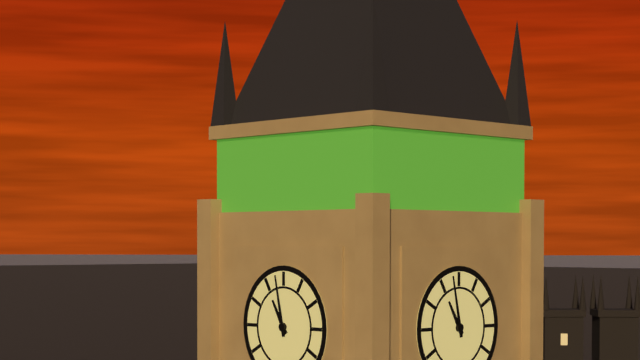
10:58
